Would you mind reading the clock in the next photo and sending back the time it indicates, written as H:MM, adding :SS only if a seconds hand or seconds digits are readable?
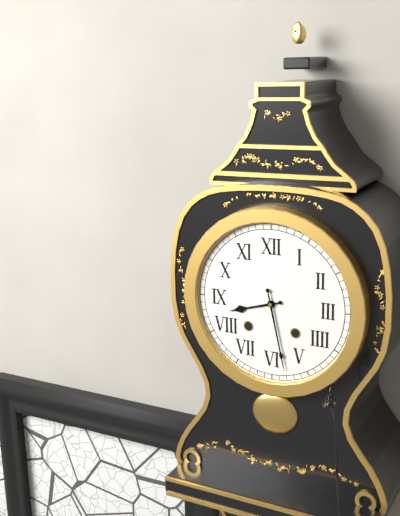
8:28
